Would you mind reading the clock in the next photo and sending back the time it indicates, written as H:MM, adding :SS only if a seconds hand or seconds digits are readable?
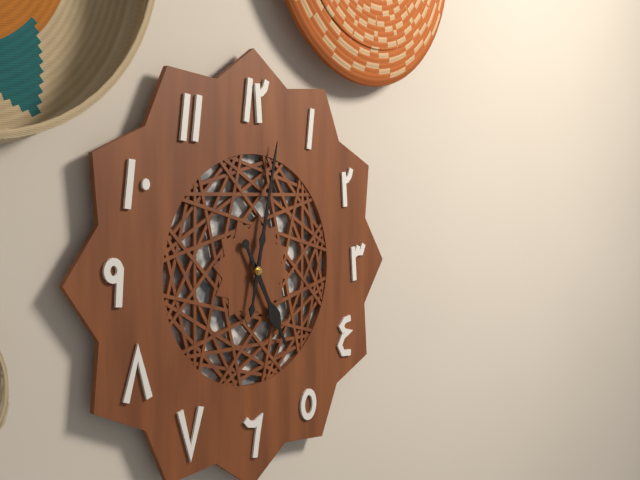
5:02
